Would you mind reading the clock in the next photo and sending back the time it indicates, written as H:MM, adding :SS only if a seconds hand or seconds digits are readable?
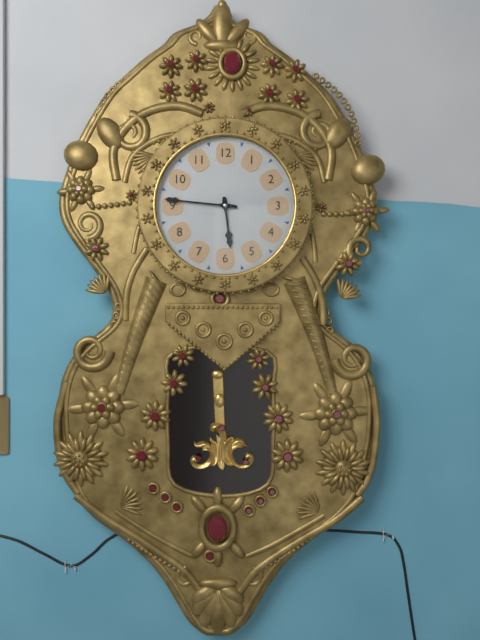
5:46
